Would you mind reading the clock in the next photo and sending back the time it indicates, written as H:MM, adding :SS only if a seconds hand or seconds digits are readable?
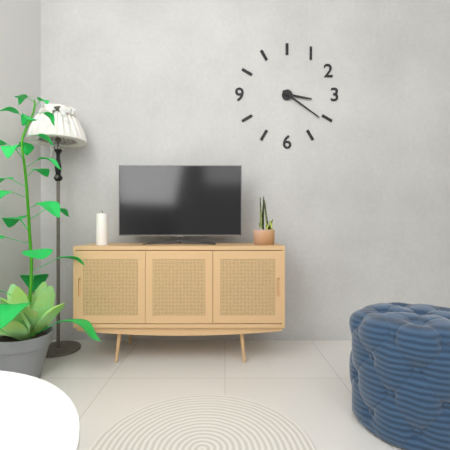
3:21
